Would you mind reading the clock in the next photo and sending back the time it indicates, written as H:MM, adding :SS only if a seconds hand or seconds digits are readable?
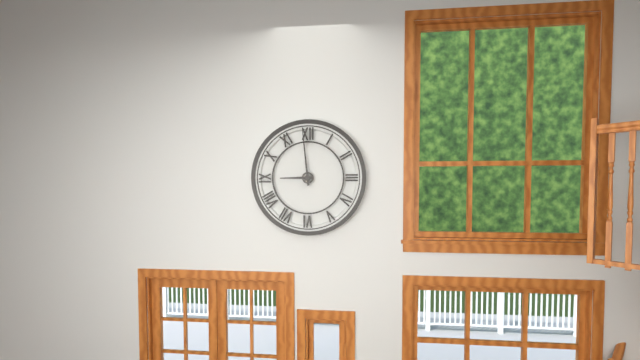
8:59
